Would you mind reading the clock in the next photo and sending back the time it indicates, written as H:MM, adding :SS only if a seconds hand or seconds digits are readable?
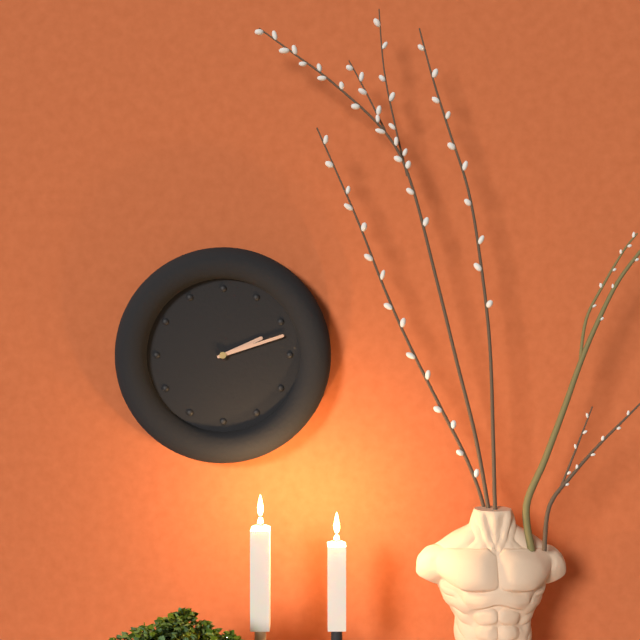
2:12
